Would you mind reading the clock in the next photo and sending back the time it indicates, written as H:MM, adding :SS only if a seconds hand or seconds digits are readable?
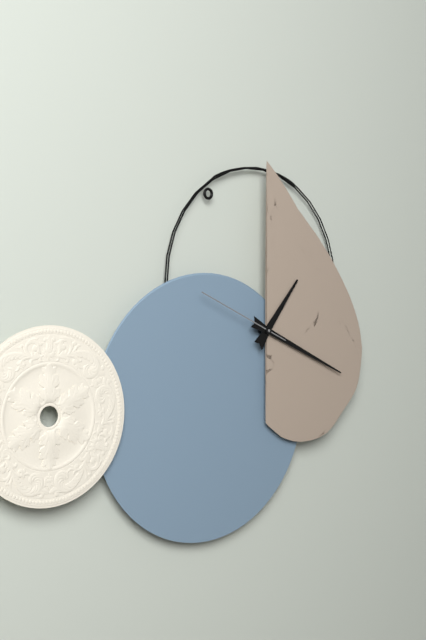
1:19:49
